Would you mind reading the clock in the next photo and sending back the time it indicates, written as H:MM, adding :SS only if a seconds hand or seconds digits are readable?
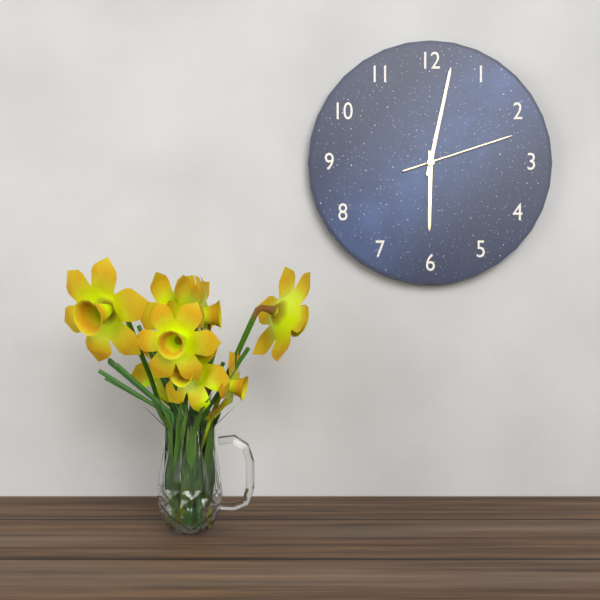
6:02:12
